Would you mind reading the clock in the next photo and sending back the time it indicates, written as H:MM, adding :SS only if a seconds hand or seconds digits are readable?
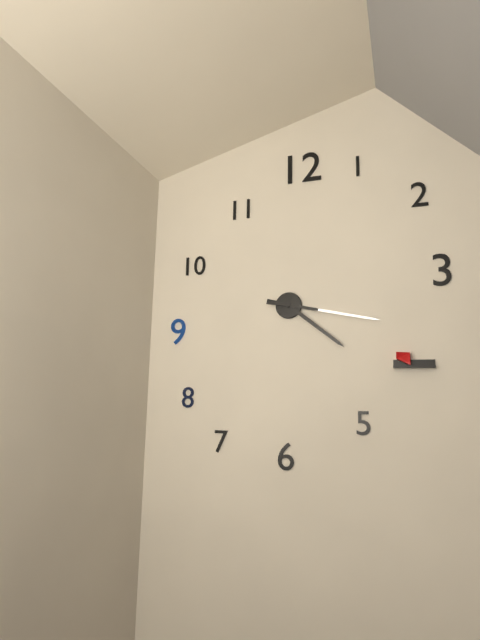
4:17
